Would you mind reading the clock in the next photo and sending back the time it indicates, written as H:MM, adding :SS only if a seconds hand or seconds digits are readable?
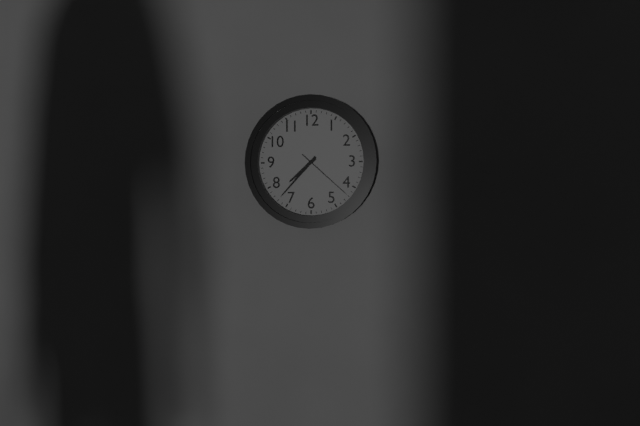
7:37:22
